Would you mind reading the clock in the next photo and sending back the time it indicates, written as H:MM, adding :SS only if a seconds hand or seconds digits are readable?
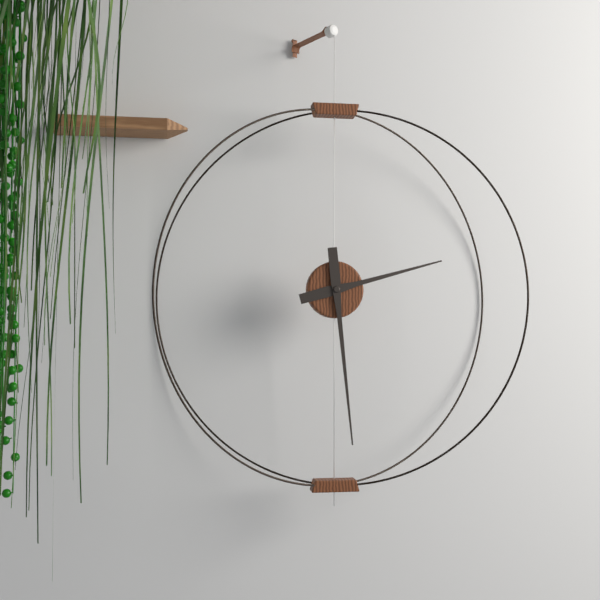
2:29
